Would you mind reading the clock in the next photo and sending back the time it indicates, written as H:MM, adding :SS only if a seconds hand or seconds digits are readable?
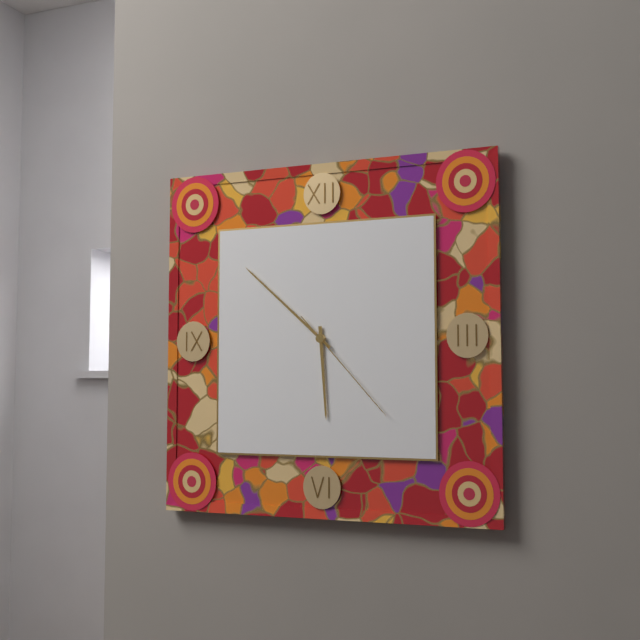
5:52:23
